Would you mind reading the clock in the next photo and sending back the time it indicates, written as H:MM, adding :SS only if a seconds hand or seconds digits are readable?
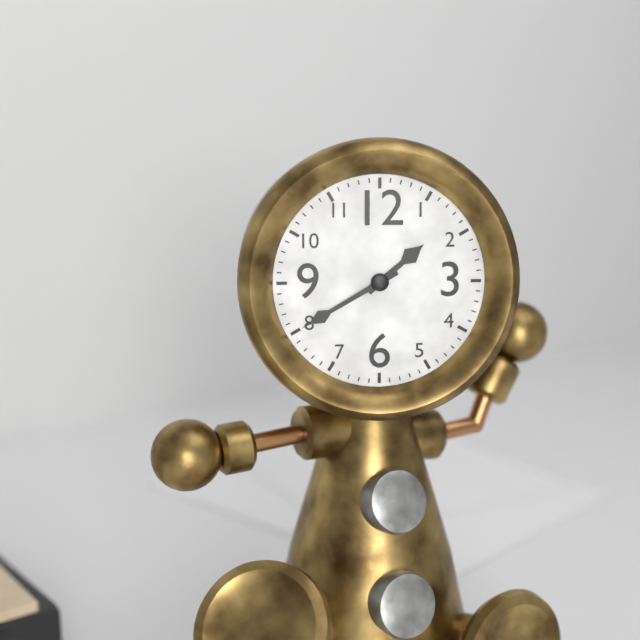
1:40
